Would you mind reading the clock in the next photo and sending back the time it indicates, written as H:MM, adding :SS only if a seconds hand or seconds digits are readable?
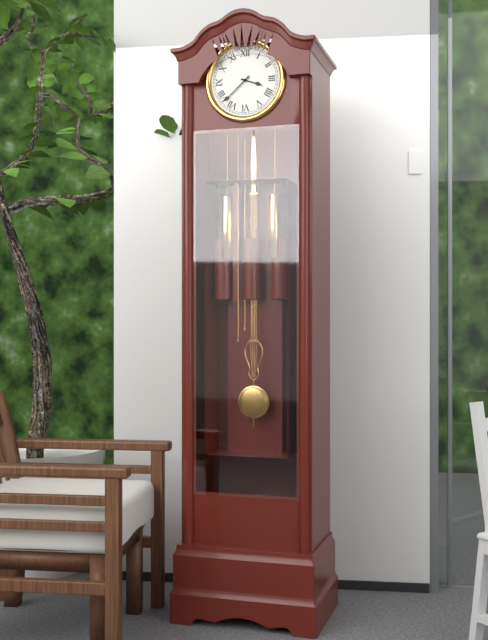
3:38
